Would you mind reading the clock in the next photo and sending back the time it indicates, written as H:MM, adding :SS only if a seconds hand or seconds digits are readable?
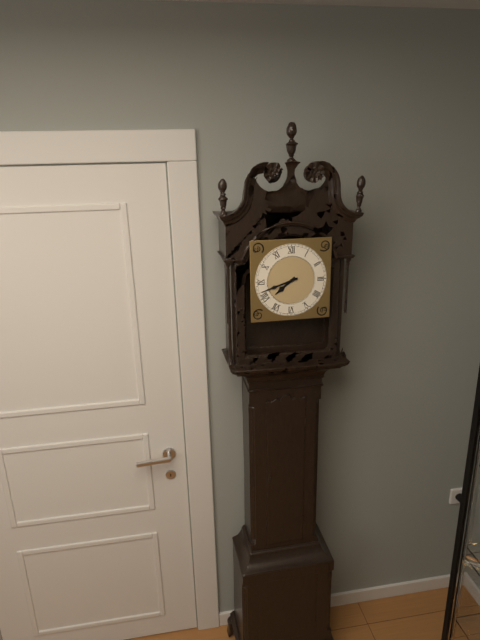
7:42
